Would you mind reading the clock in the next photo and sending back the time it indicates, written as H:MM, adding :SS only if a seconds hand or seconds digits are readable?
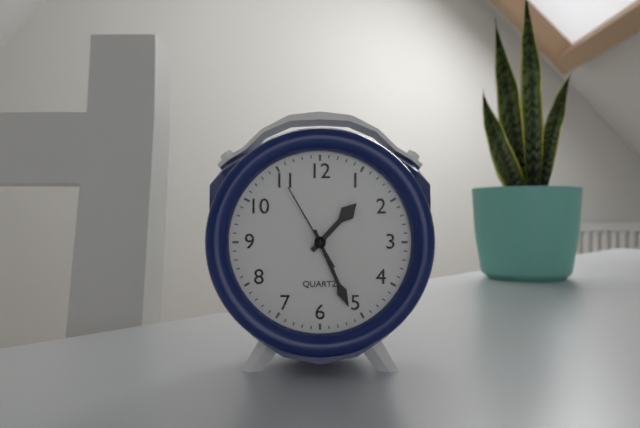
1:26:55
